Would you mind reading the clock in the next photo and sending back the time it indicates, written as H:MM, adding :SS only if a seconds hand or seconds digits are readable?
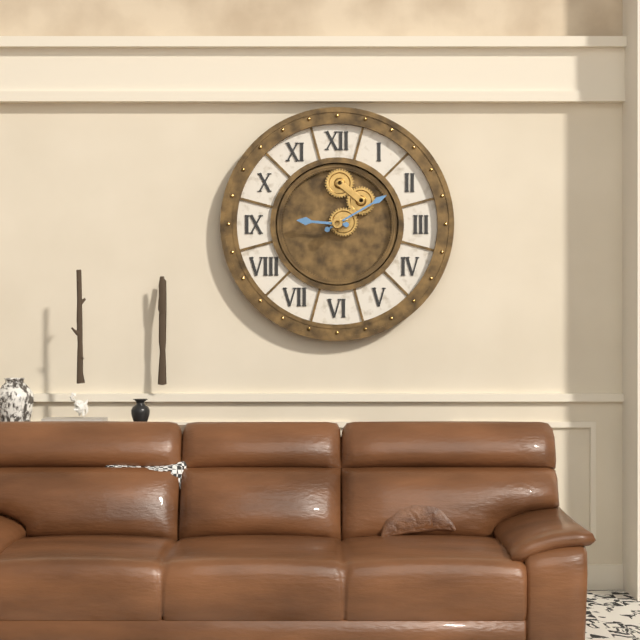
9:10
